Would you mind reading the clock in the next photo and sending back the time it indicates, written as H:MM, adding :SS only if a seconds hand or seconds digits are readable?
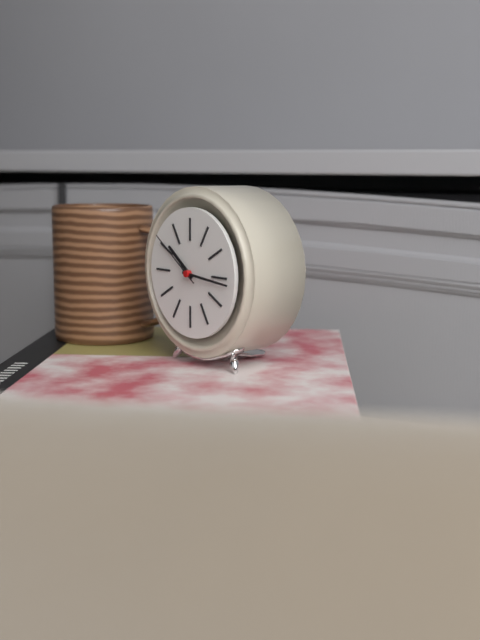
10:16:51
